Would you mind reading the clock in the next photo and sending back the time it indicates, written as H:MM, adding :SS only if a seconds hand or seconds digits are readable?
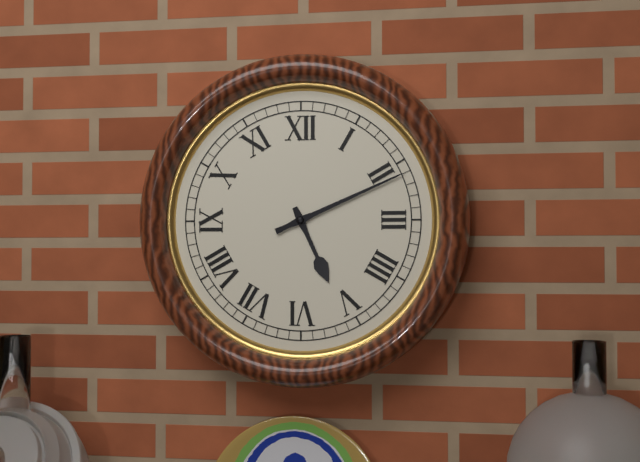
5:11
